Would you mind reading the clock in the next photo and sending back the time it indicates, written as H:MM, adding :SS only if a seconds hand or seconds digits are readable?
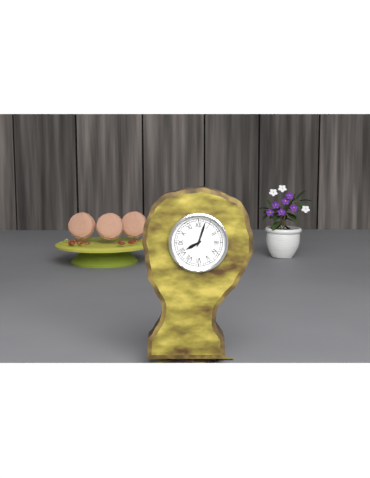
8:03
